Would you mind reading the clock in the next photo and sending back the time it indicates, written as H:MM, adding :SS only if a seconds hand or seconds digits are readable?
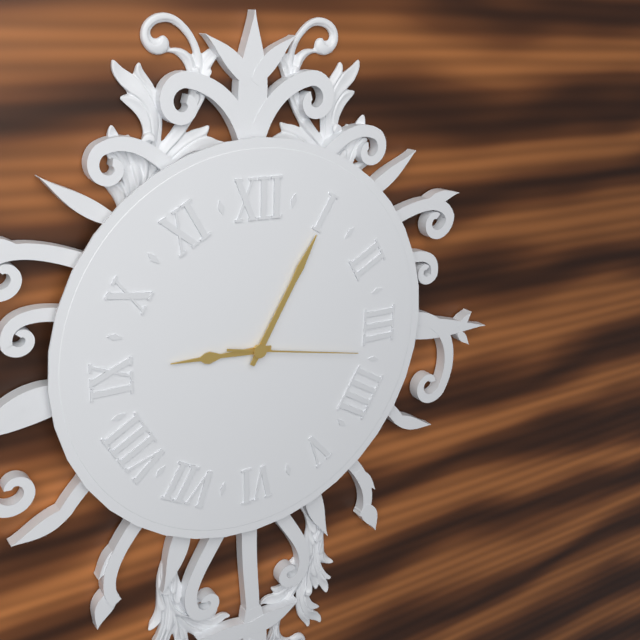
9:05:17
